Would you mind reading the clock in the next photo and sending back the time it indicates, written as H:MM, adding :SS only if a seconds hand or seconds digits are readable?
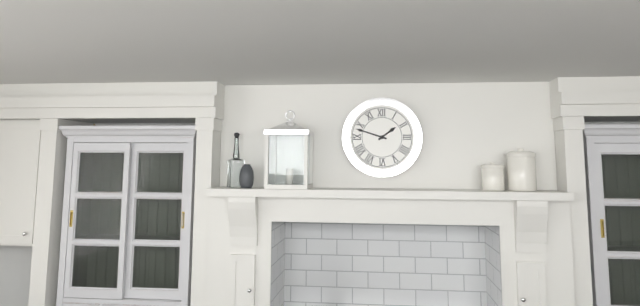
1:48
